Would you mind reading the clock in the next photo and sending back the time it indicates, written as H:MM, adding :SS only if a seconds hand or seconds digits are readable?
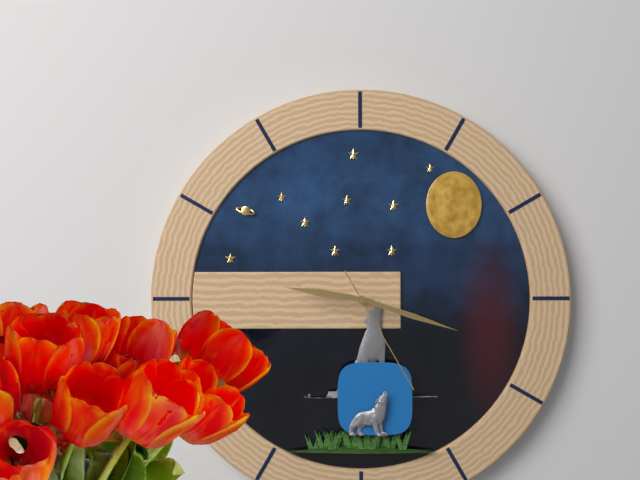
9:18:25
